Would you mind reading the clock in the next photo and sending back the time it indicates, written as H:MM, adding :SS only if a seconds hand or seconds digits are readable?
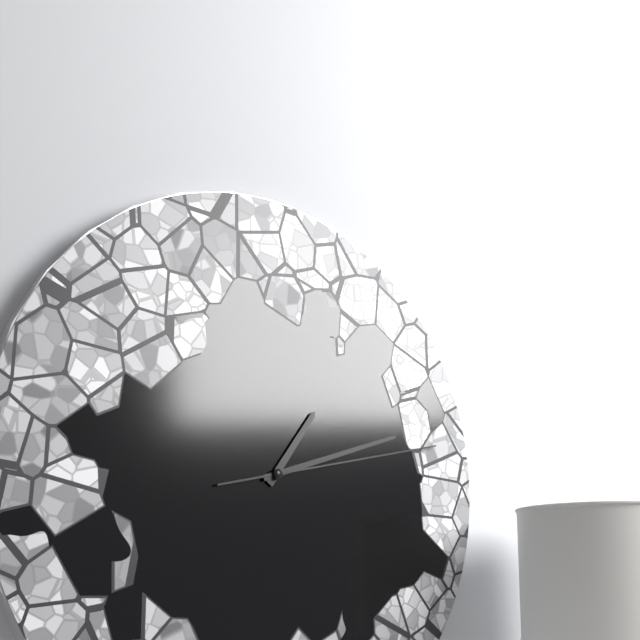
1:12:13
